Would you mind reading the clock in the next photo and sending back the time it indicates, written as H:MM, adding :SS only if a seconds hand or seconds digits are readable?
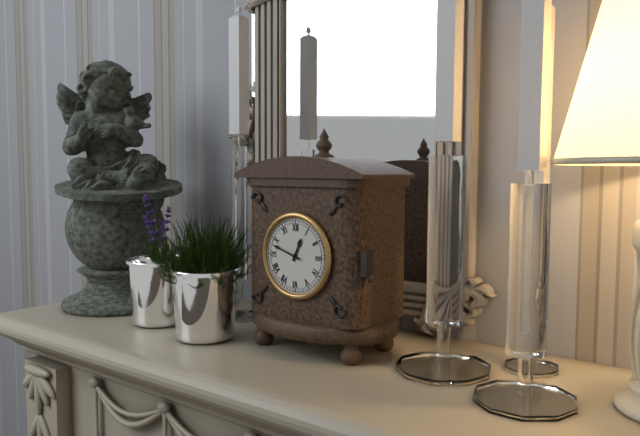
12:48
